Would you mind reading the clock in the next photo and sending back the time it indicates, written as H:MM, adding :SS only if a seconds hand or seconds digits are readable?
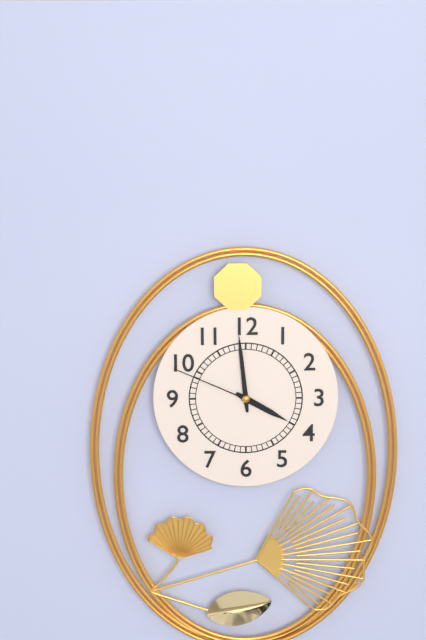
3:59:49
